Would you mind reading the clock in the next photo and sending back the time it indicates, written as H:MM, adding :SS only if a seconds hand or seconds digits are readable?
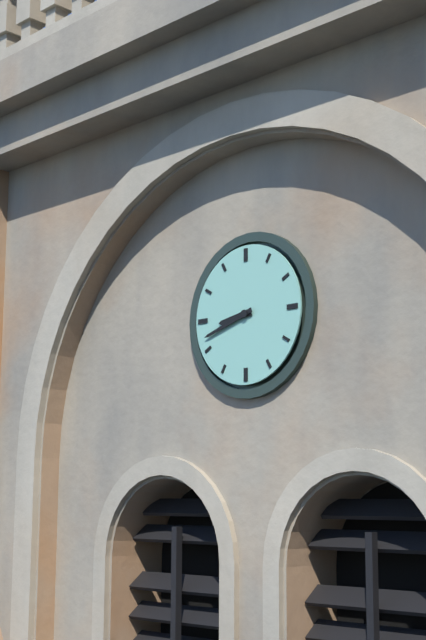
8:42
